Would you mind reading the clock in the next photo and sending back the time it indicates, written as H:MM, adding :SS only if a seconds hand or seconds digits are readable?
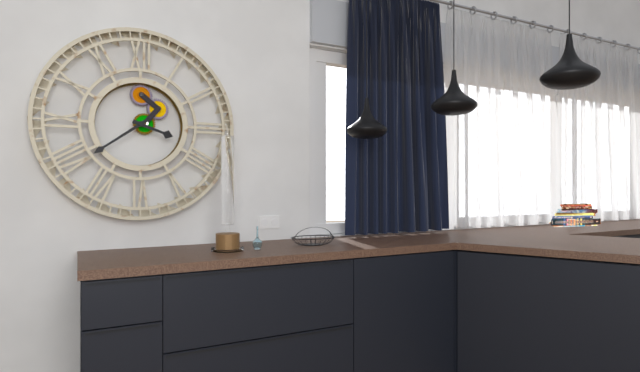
3:39
